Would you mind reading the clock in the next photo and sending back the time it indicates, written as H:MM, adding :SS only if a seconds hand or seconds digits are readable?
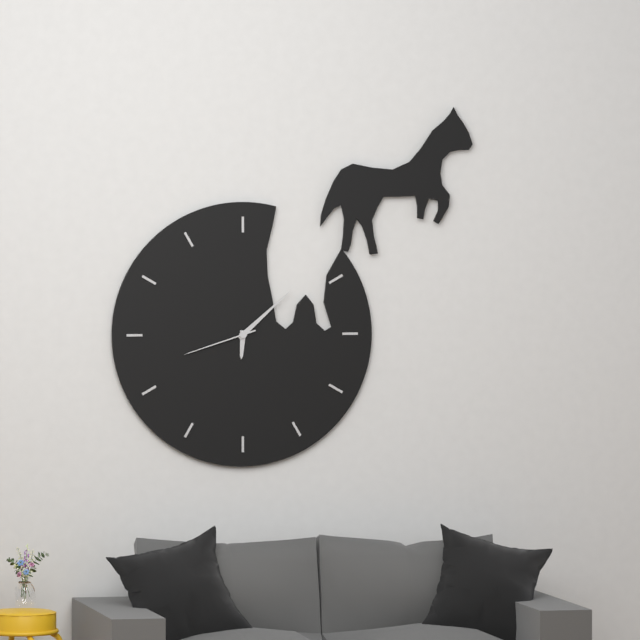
6:08:42
